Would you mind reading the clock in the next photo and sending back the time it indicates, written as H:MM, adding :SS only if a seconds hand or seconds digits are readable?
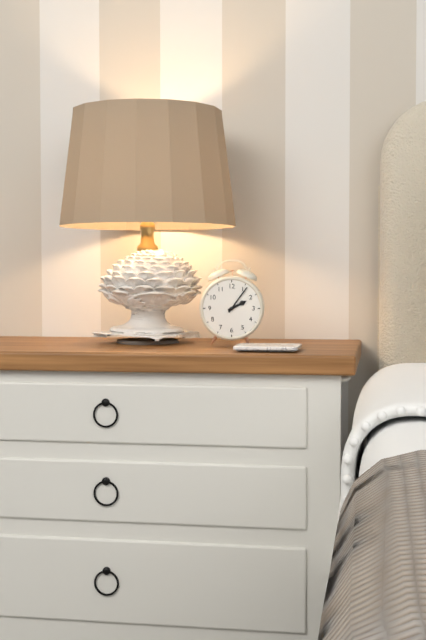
2:06
